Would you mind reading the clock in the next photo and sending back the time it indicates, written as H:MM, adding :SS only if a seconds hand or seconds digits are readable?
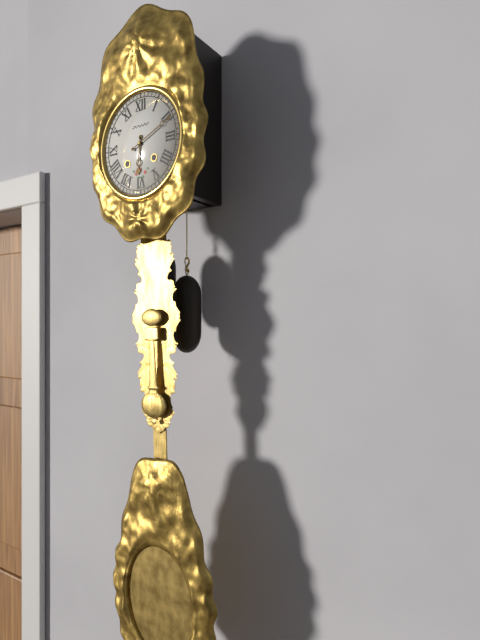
6:11
